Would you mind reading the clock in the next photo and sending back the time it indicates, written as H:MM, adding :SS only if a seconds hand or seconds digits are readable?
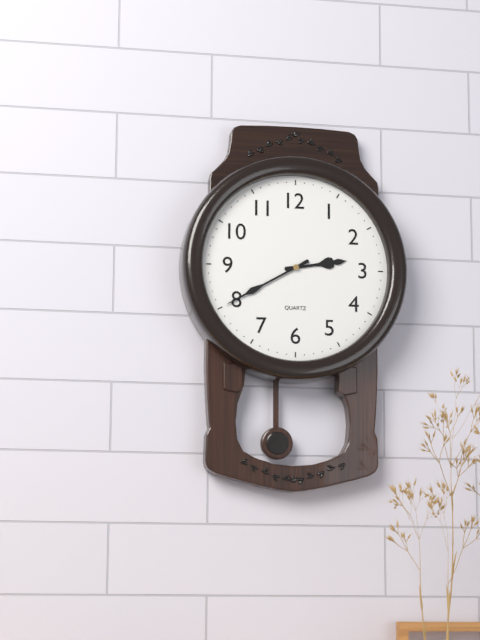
2:40
